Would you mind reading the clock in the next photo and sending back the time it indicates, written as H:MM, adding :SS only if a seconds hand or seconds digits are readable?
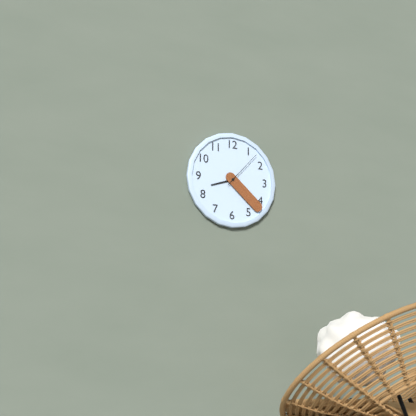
8:22
